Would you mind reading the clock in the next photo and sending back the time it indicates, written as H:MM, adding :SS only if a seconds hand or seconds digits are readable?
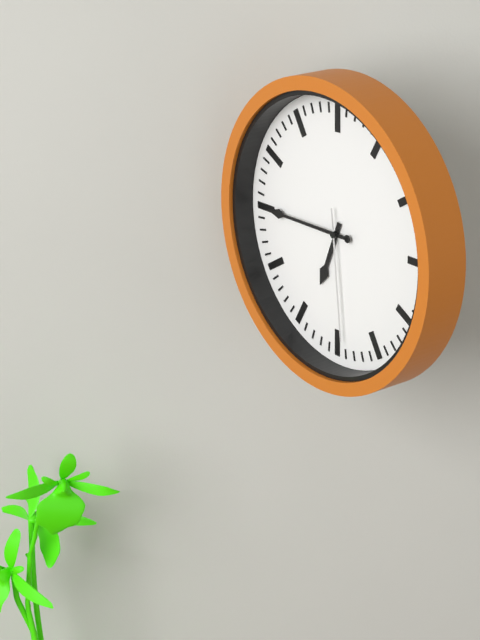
6:45:29
